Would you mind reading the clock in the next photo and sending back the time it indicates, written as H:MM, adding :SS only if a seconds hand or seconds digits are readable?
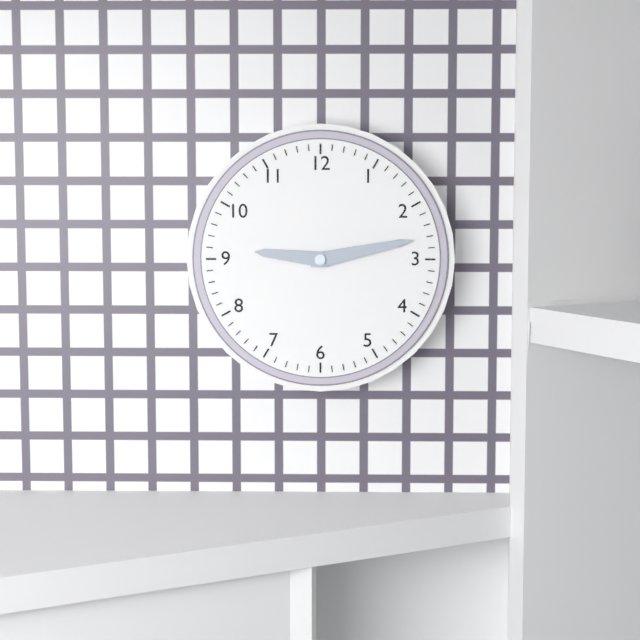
9:13
